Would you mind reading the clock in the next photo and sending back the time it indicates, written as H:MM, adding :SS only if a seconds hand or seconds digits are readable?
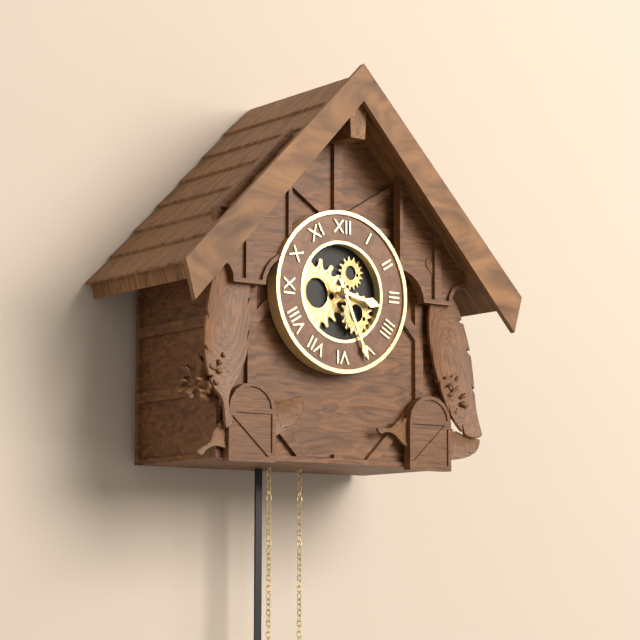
3:26
